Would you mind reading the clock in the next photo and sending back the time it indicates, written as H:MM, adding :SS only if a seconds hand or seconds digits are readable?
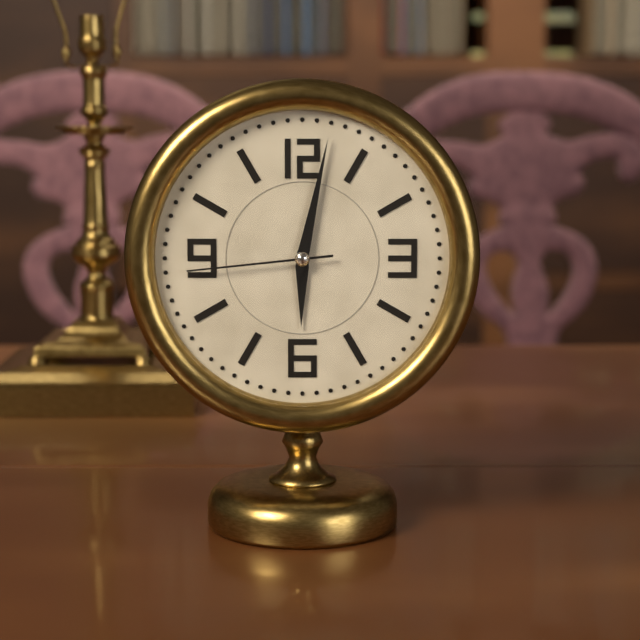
6:02:44
